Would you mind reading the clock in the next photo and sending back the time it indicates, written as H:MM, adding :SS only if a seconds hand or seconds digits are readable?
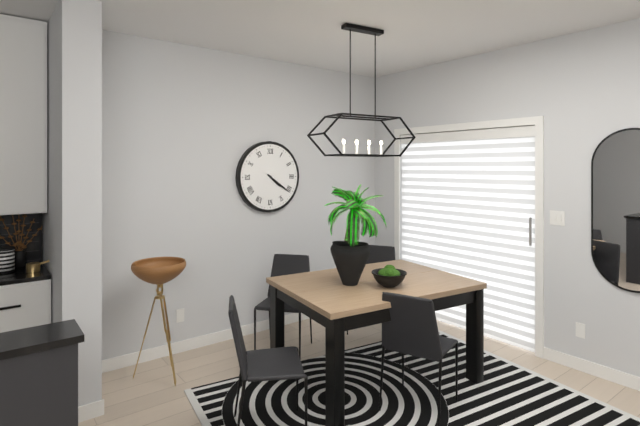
4:21
